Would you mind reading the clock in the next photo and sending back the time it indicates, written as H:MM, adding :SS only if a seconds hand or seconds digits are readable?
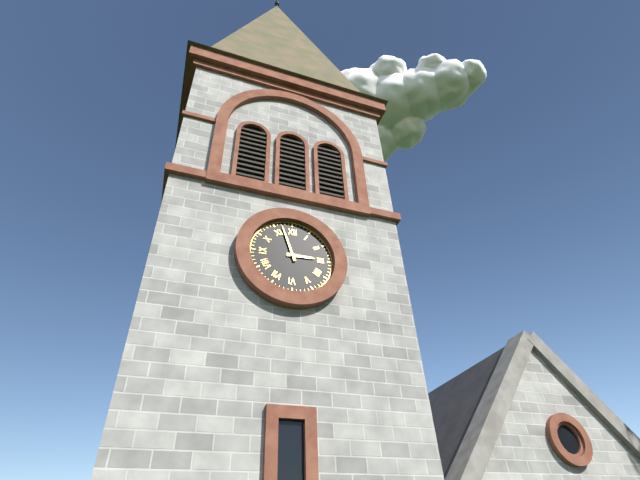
2:57
